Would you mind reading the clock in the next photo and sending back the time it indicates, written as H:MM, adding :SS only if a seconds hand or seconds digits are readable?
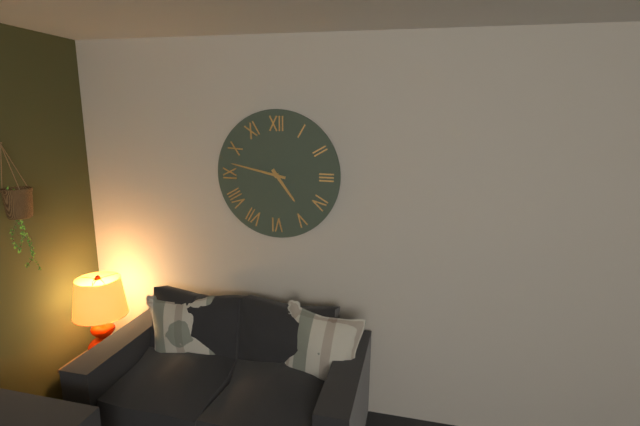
4:47
